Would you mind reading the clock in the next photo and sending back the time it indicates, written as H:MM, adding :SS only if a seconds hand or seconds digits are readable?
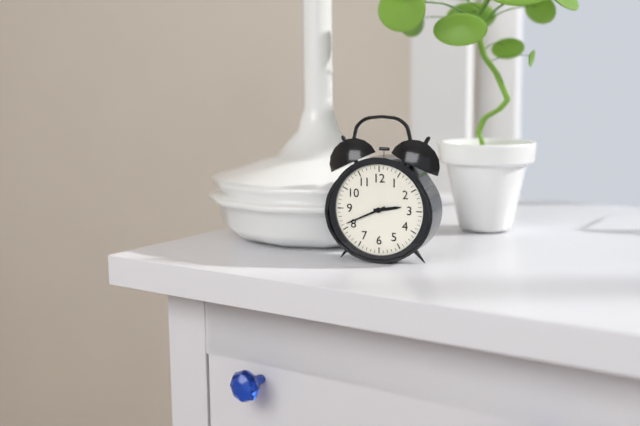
2:41
